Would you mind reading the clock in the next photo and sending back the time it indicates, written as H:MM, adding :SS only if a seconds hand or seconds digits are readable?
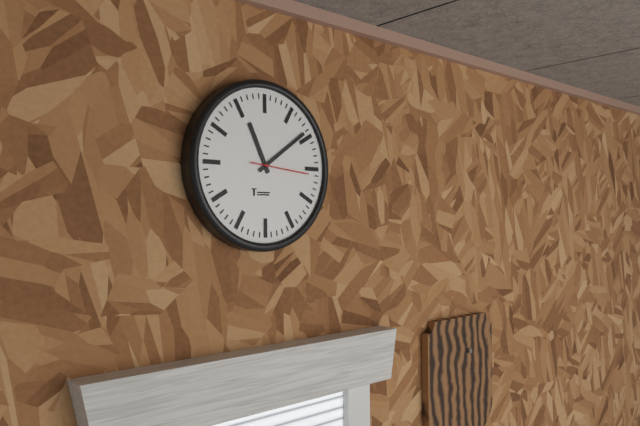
11:09:16
